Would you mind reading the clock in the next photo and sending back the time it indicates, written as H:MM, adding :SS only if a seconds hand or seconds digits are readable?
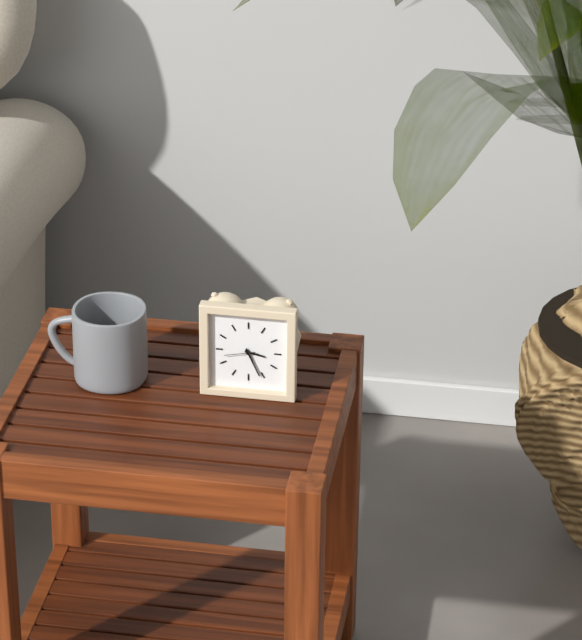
3:26
